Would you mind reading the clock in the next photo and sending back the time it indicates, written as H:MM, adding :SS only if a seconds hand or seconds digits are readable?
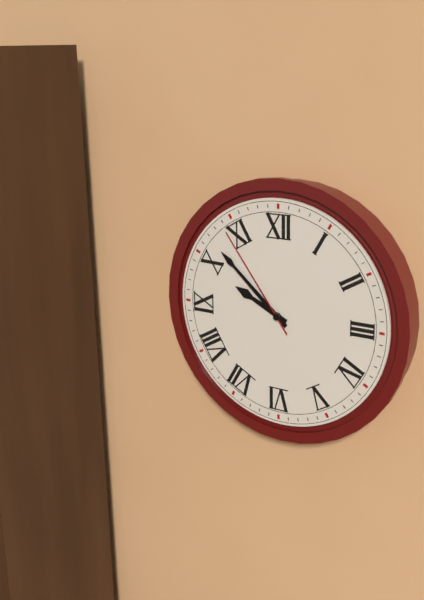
9:52:54
